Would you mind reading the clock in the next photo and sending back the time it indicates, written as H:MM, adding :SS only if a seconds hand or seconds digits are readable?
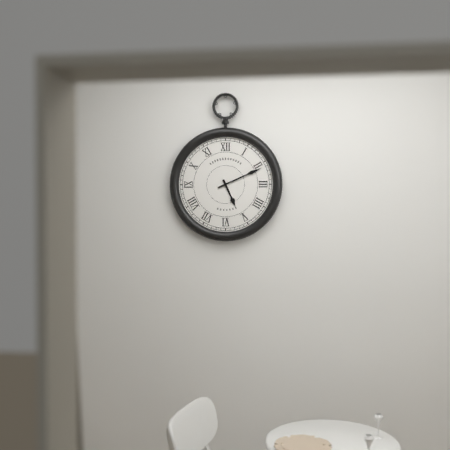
5:11
